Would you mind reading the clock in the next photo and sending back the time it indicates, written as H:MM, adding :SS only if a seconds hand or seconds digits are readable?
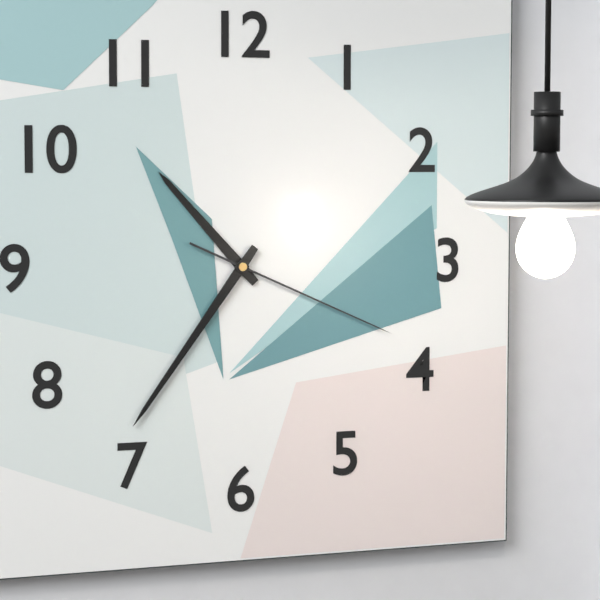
10:36:19
